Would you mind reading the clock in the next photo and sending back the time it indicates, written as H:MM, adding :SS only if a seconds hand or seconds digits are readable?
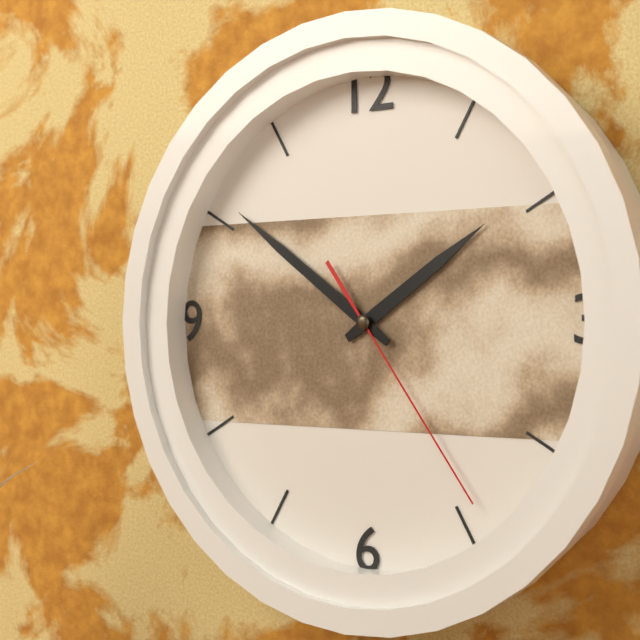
1:51:24
